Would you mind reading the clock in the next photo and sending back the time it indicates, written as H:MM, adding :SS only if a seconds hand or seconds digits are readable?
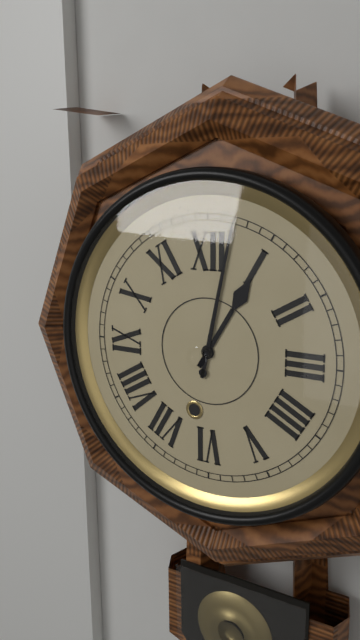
1:02
